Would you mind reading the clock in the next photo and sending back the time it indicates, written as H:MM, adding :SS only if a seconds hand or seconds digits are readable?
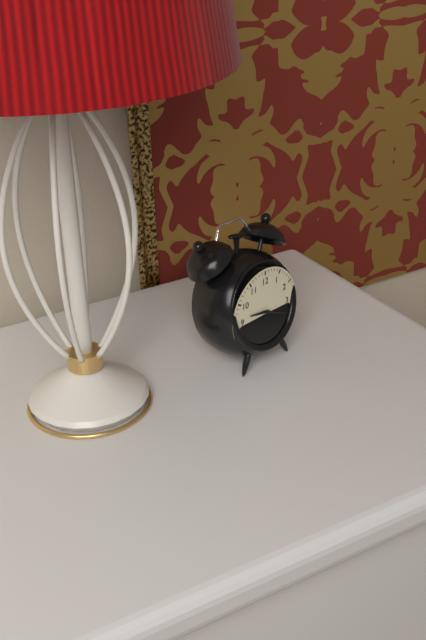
9:19
